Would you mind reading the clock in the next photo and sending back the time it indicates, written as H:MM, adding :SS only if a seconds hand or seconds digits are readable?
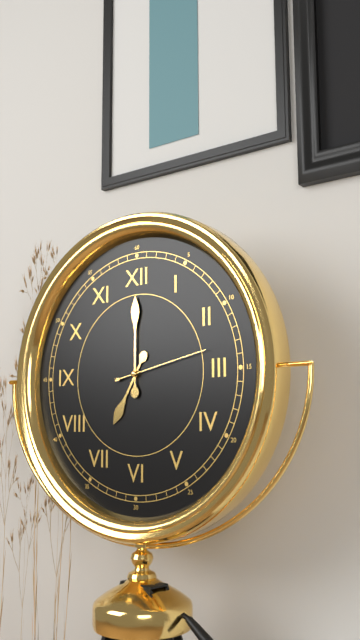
7:00:13
